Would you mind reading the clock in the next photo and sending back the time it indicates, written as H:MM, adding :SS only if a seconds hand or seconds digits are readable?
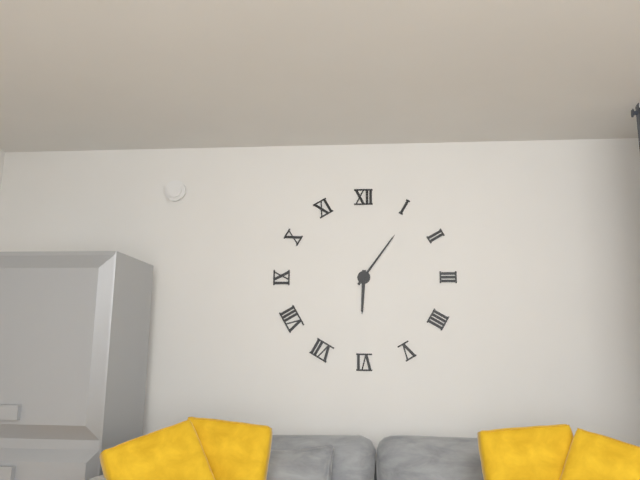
6:06
